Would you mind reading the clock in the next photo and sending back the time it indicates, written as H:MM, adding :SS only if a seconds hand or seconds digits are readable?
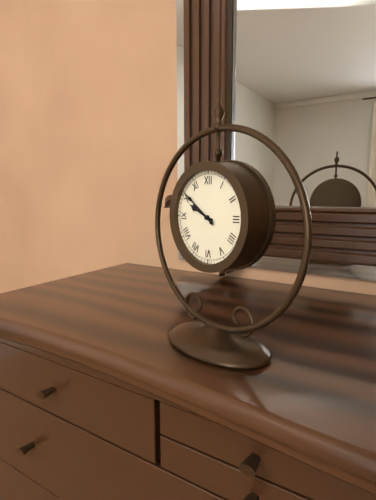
9:51
